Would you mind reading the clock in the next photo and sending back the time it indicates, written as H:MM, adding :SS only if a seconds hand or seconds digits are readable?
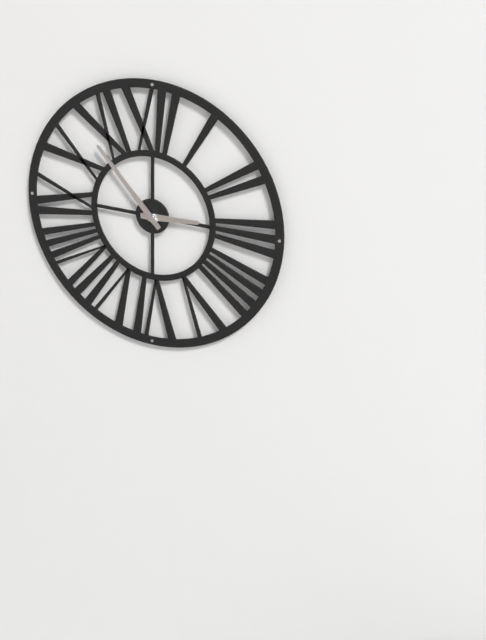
2:53
